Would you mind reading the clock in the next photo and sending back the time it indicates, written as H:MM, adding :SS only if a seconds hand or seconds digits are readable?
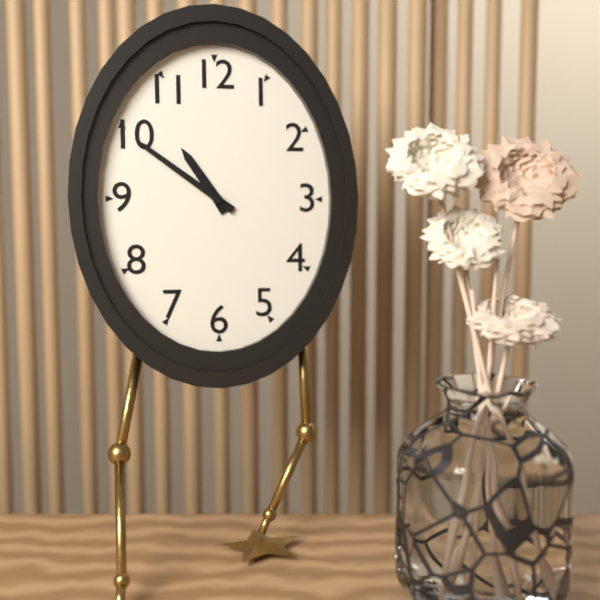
10:51
